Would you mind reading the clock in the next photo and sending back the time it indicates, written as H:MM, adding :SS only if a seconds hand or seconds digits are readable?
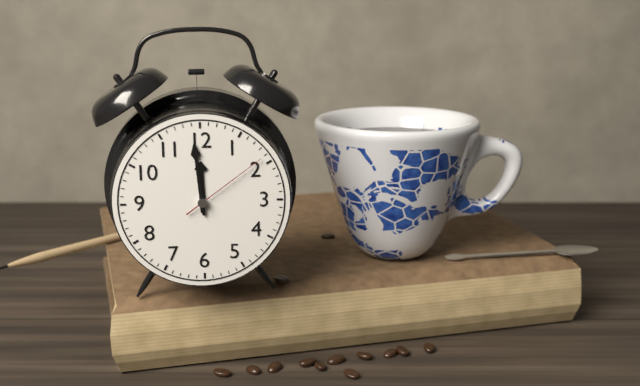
11:59:09
